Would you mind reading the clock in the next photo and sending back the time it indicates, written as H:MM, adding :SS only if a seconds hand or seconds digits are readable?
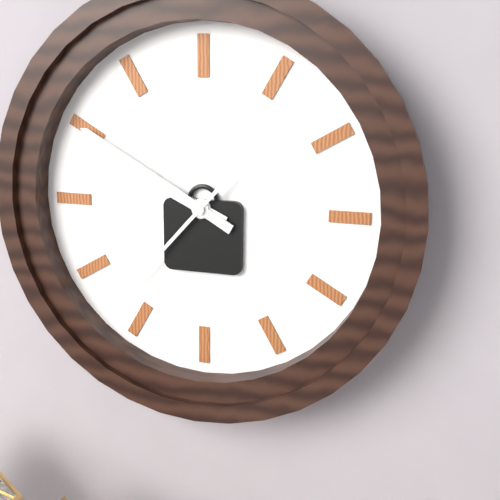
9:50:37
